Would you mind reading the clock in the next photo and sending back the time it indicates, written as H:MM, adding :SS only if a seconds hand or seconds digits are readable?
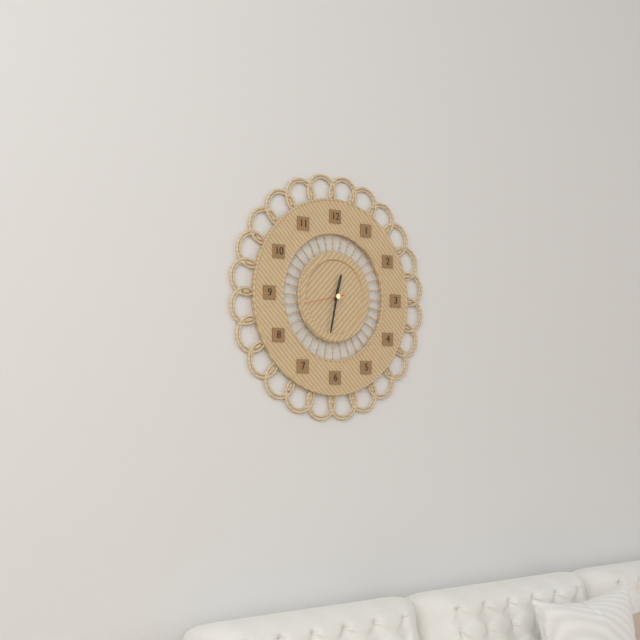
12:32
